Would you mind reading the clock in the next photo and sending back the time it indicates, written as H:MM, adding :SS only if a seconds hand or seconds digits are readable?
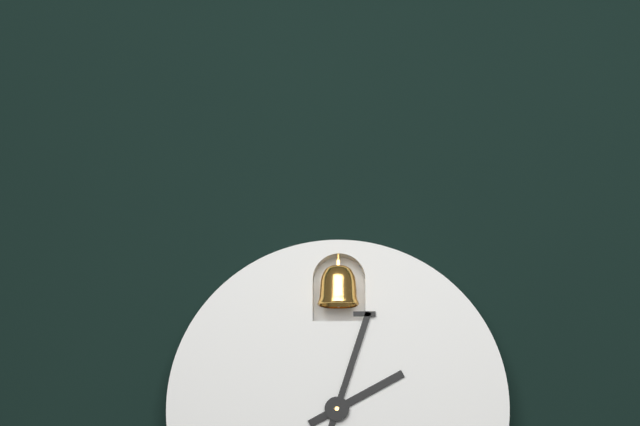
2:03
